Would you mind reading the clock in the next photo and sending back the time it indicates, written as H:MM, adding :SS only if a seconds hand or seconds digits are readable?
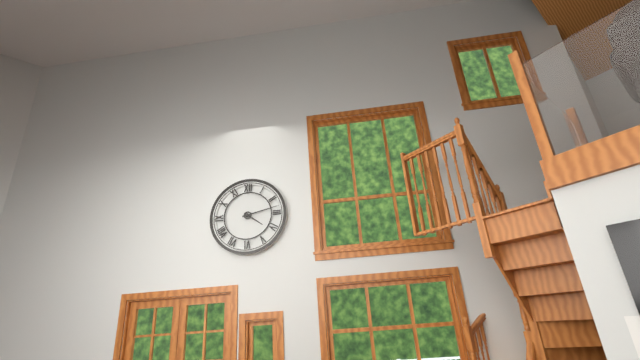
4:13
